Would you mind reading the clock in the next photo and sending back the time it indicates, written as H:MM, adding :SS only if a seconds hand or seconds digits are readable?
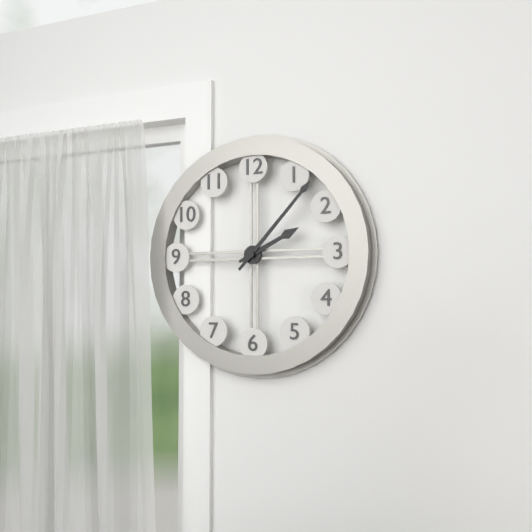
2:07
